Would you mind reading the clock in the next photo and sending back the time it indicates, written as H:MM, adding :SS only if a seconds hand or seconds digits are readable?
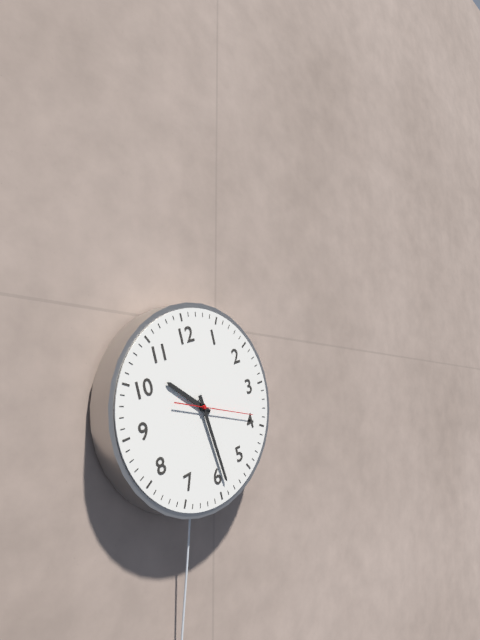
10:29:19
